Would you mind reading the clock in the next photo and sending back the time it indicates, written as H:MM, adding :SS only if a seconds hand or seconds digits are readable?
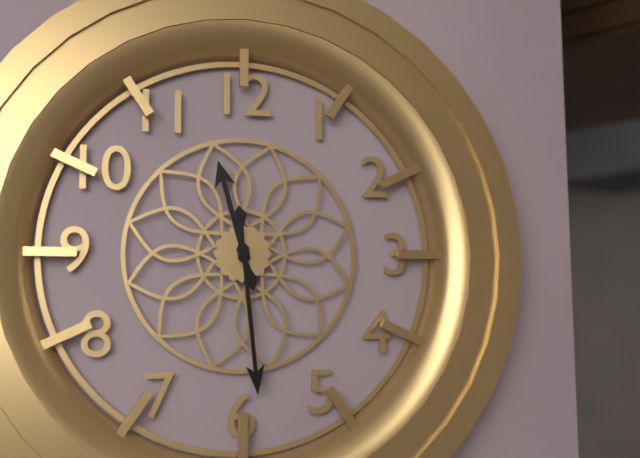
11:29
